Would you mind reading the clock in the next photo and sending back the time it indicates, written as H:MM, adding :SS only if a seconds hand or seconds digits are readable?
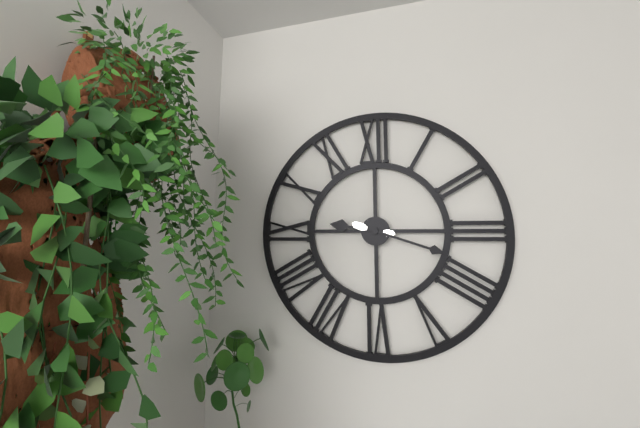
9:18
